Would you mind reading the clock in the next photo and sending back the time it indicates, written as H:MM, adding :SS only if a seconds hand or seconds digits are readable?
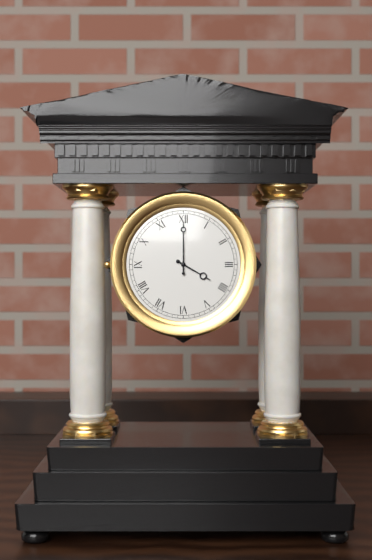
4:00
